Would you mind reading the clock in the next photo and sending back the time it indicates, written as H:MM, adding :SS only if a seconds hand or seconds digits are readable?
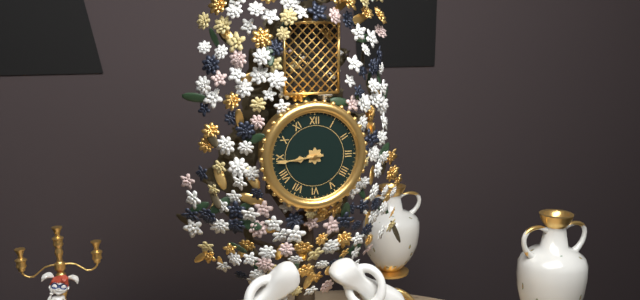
8:44
